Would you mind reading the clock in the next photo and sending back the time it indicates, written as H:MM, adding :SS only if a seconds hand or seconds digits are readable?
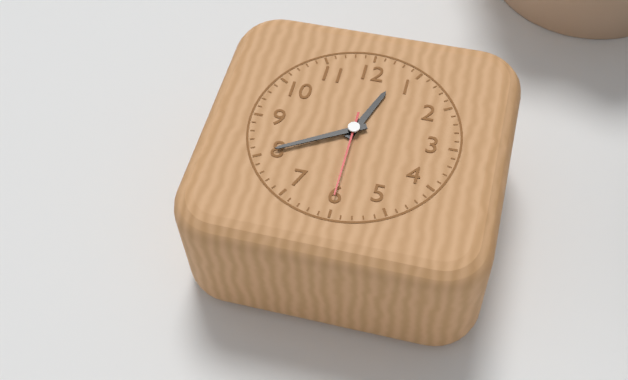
12:40:30
